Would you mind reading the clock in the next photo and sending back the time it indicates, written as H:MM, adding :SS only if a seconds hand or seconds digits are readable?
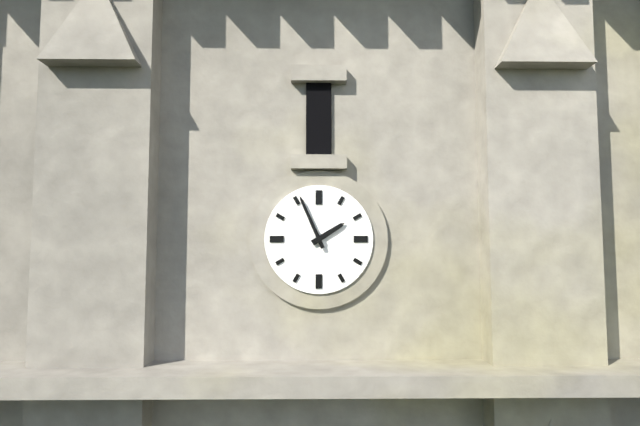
1:56
